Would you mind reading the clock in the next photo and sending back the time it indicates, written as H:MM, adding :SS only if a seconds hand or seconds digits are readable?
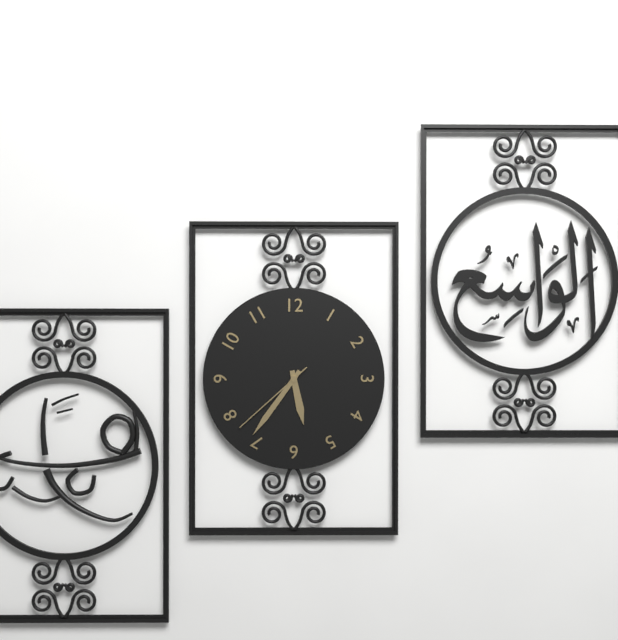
5:36:38
